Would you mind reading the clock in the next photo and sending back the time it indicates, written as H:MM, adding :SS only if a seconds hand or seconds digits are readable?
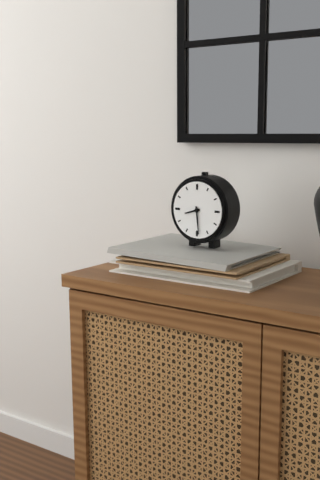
8:29
